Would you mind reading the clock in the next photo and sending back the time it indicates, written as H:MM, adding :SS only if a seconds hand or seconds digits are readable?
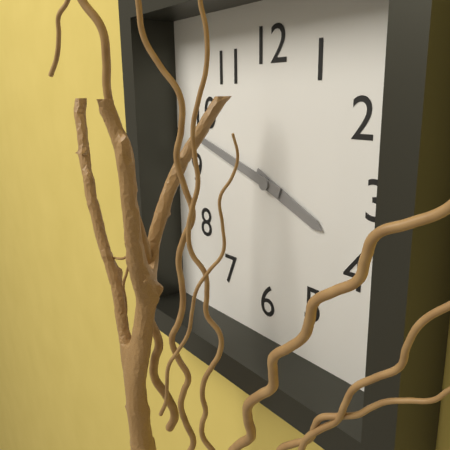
3:48
